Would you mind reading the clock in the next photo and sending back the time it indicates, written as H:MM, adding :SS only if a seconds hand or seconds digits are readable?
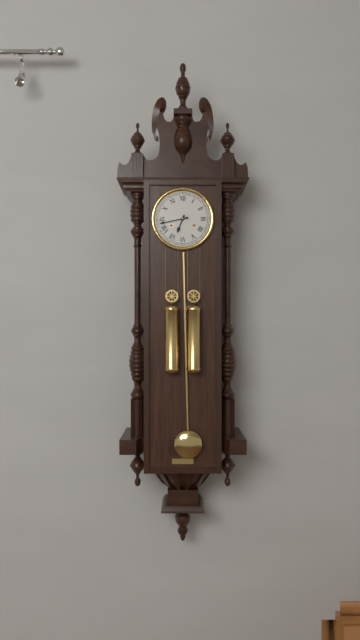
6:43
